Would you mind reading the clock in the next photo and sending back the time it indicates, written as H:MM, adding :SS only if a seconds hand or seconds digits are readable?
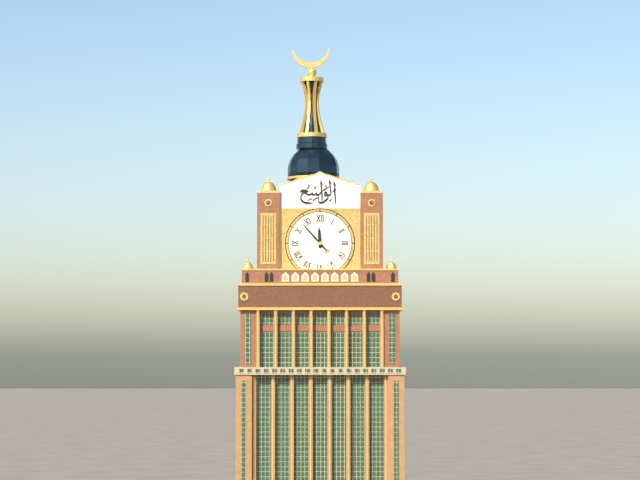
11:53
